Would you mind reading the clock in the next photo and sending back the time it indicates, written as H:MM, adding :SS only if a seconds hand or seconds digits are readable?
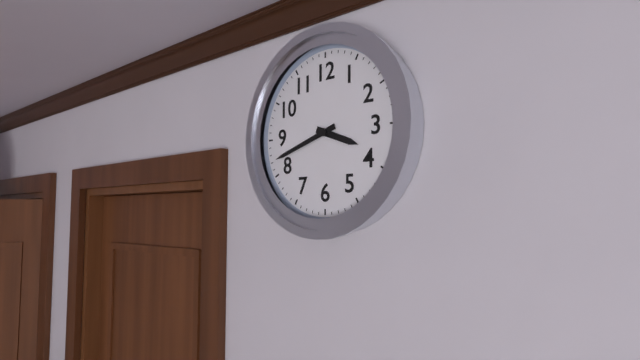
3:42
